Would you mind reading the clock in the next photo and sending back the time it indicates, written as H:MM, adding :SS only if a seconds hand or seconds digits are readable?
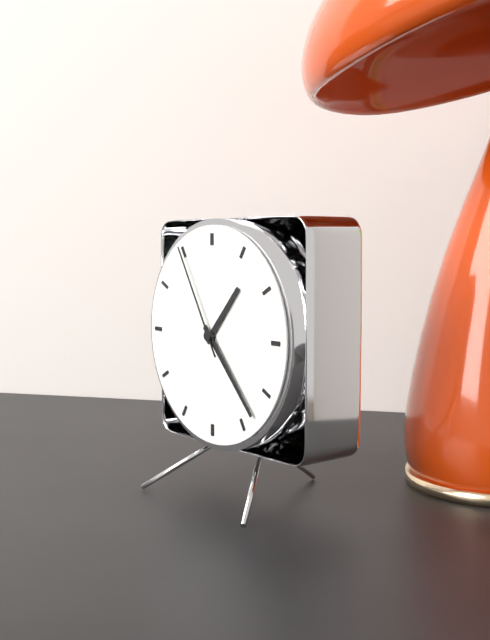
1:23:55
